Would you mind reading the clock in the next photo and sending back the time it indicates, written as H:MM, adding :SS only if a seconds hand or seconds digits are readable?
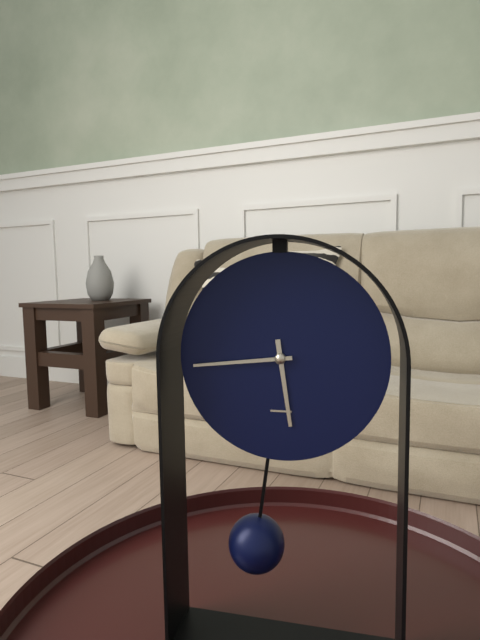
5:44
